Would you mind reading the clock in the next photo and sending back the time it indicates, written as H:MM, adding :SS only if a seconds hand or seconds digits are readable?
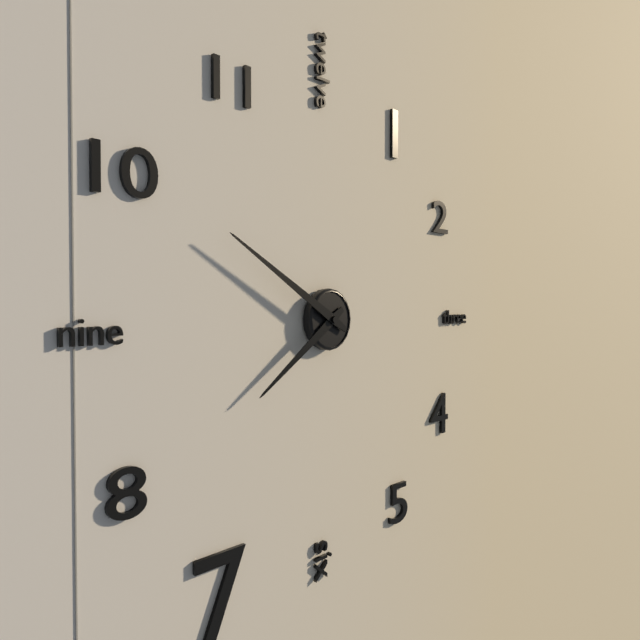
7:50
